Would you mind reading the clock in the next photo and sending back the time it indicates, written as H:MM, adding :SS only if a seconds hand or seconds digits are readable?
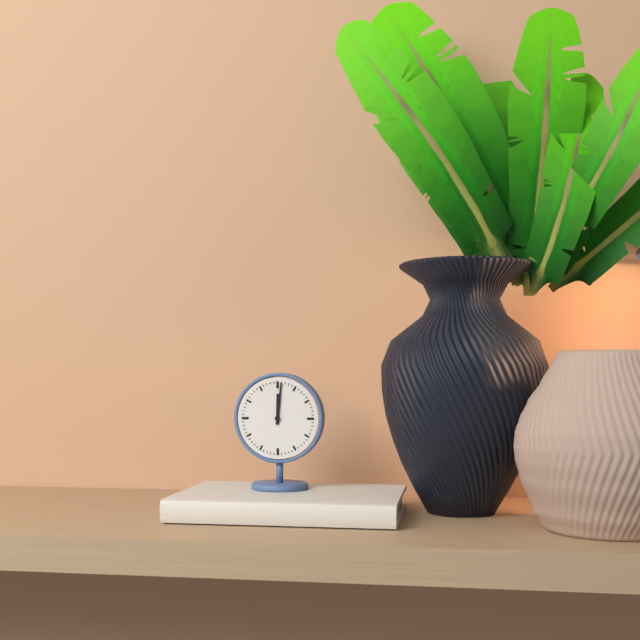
12:01
